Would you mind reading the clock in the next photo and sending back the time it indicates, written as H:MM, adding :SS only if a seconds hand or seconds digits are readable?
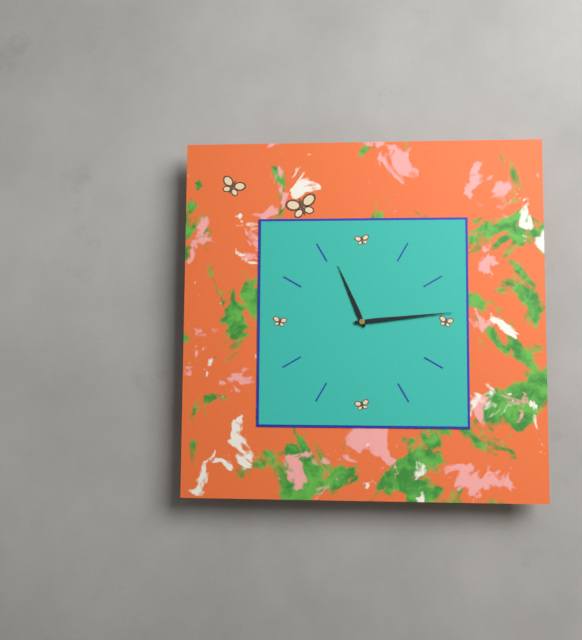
11:14
